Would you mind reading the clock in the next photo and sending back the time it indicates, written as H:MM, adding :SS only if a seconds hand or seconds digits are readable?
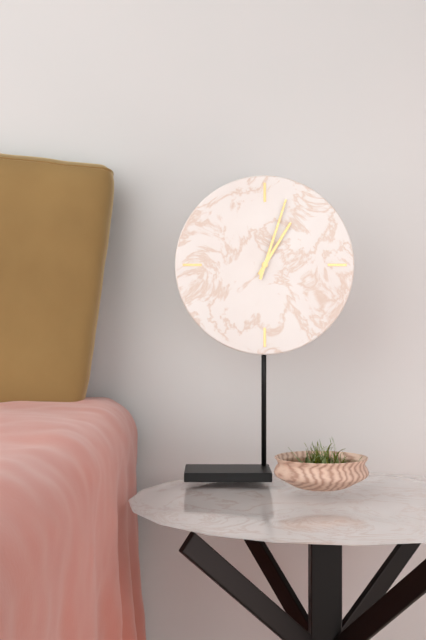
1:03
